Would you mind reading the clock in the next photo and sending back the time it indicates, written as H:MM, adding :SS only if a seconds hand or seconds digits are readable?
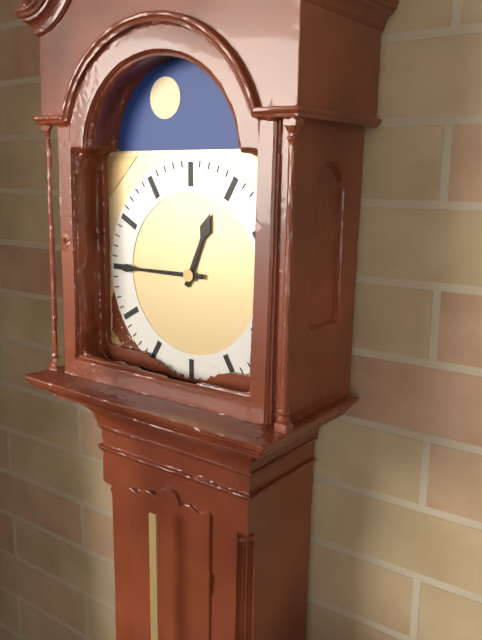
12:45
